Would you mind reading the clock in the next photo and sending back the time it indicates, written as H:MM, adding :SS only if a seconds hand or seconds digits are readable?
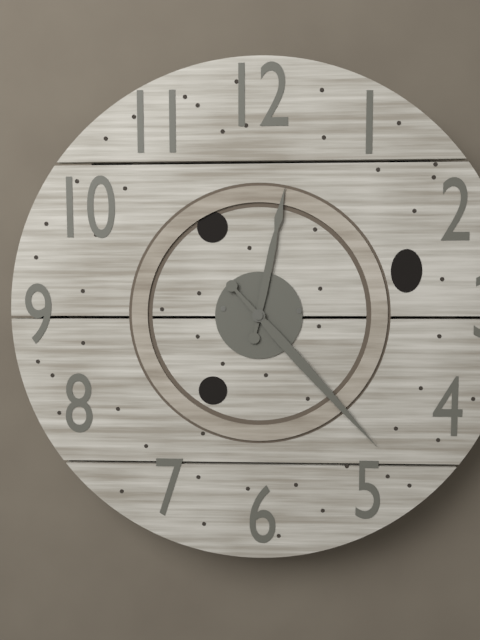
12:23
